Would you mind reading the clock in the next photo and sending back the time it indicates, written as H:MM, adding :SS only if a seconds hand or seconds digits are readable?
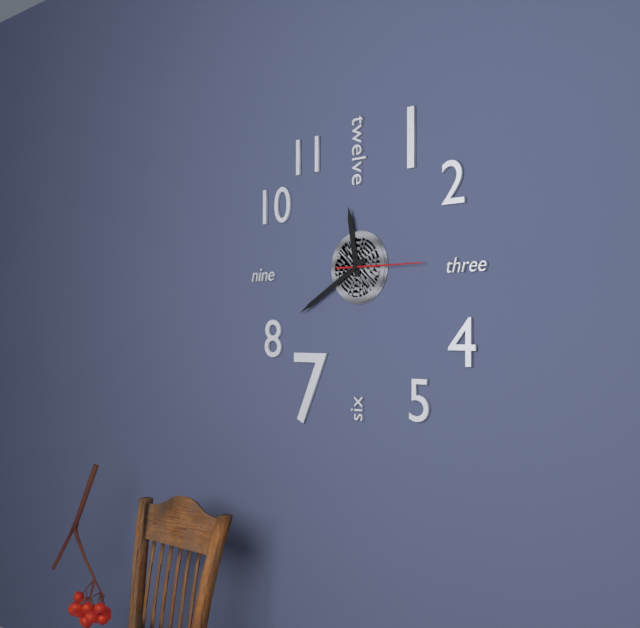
11:40:15
